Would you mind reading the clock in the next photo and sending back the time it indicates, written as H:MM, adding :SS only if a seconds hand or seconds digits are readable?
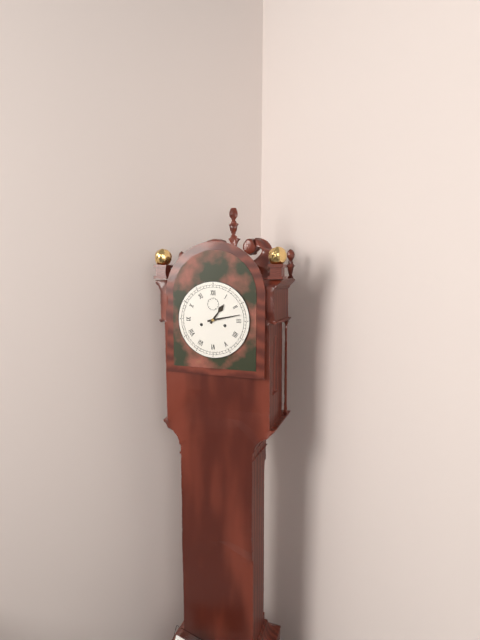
1:13
